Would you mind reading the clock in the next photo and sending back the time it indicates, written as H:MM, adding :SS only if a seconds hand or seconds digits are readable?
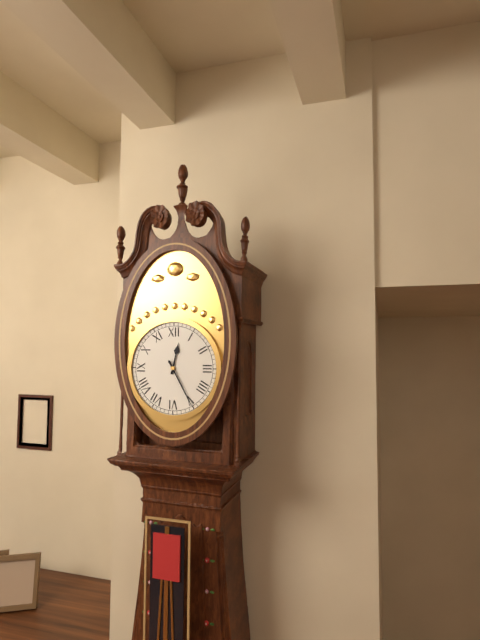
12:25
